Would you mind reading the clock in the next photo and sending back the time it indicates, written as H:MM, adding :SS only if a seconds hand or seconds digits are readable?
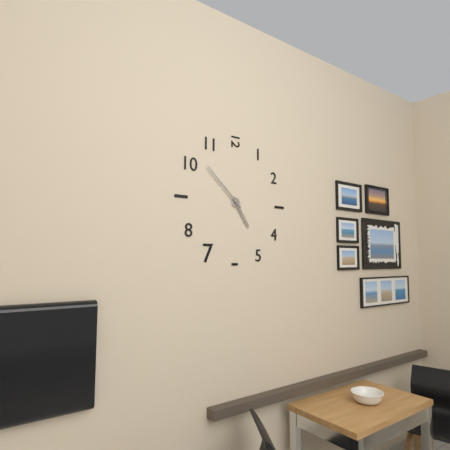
4:52
